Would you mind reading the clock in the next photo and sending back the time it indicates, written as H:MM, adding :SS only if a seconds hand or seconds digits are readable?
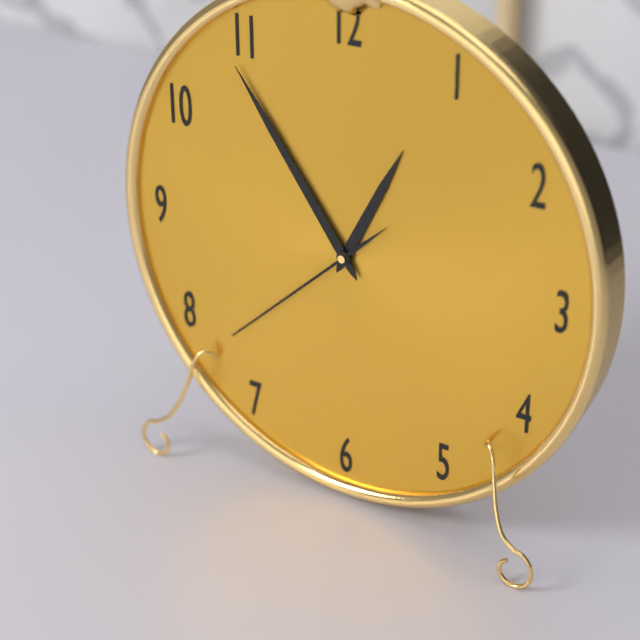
12:54:38
